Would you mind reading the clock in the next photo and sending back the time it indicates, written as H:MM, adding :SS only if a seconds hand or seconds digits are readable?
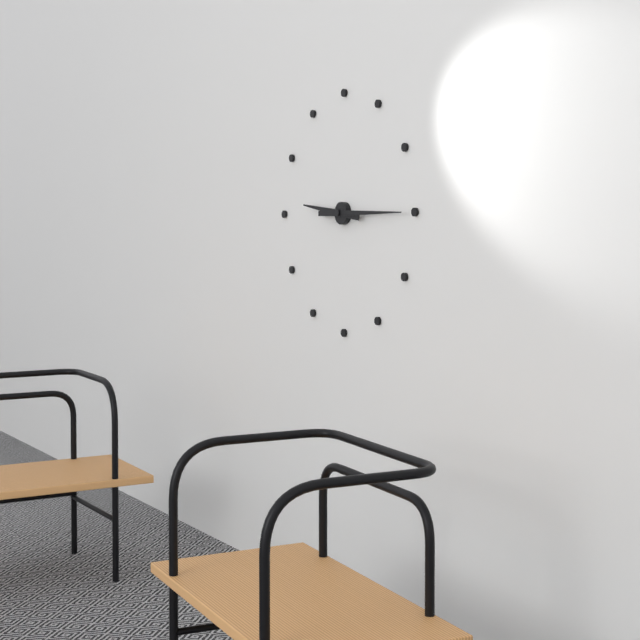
9:15
